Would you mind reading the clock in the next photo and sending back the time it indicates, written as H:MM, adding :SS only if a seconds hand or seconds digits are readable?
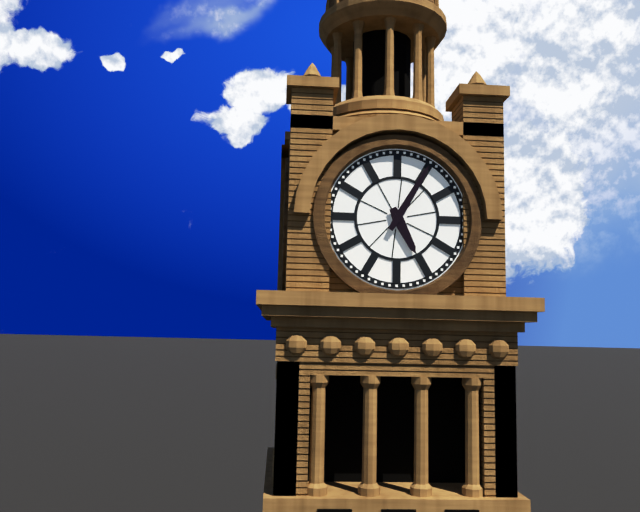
5:05
